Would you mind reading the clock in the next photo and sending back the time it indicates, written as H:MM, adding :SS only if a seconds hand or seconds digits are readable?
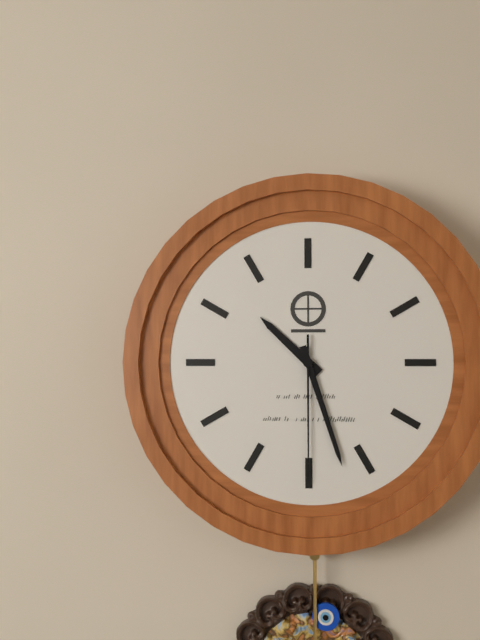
10:27:30
